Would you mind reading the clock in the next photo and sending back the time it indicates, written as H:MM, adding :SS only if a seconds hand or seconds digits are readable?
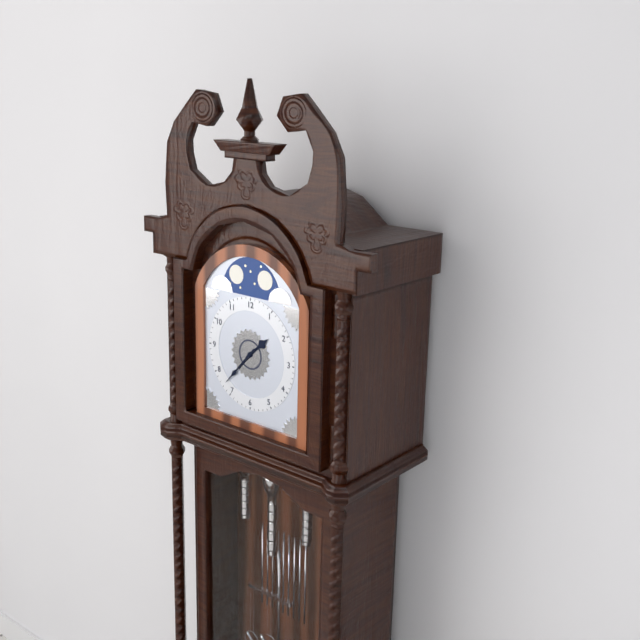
1:37
